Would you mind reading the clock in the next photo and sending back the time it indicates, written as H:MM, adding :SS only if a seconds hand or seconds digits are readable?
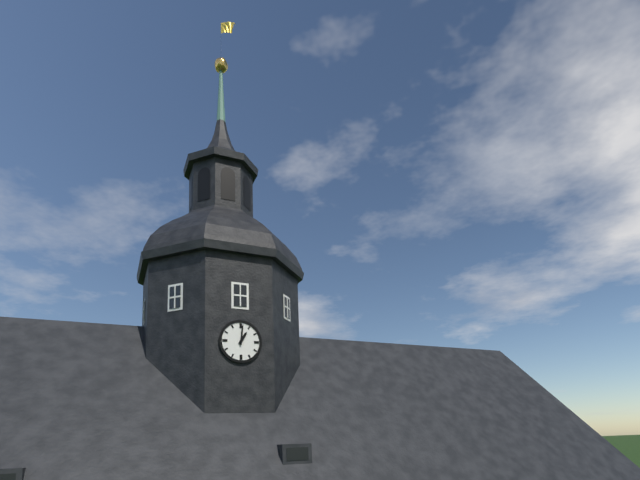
1:01
